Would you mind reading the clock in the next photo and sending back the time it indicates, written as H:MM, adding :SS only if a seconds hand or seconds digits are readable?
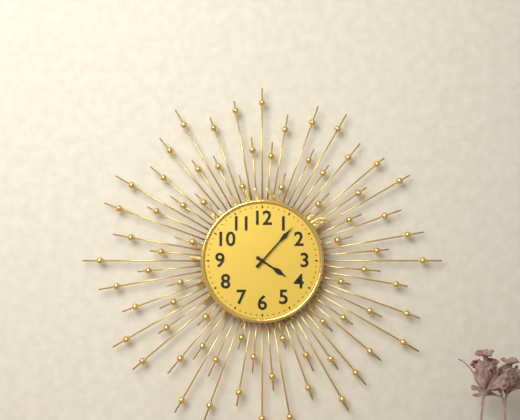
4:07
